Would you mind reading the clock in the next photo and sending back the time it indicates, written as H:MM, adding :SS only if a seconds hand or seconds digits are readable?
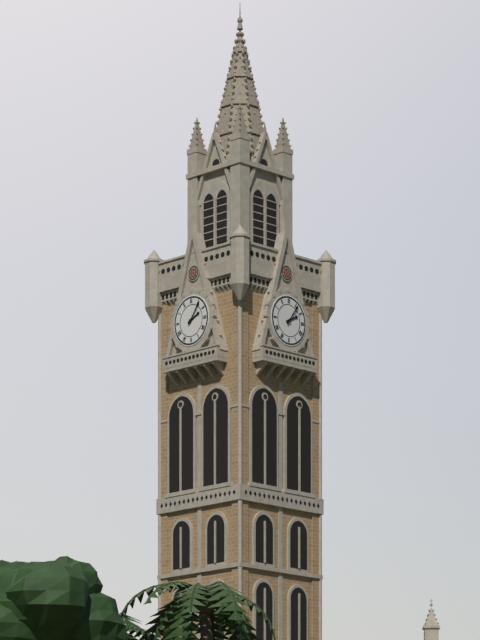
2:06
